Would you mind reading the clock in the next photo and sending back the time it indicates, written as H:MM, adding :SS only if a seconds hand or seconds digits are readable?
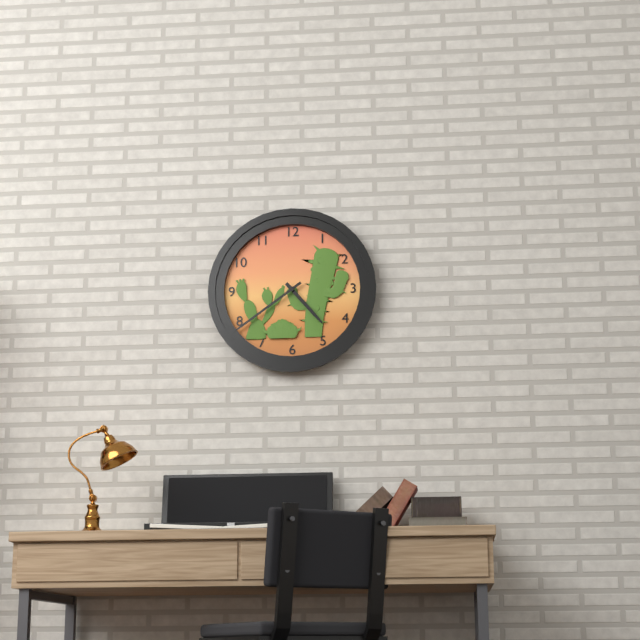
4:39
